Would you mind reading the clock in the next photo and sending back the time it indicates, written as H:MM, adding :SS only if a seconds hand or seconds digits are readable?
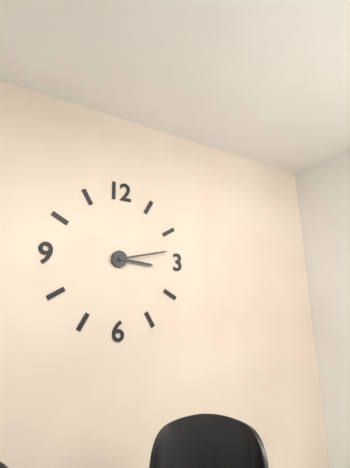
3:13
